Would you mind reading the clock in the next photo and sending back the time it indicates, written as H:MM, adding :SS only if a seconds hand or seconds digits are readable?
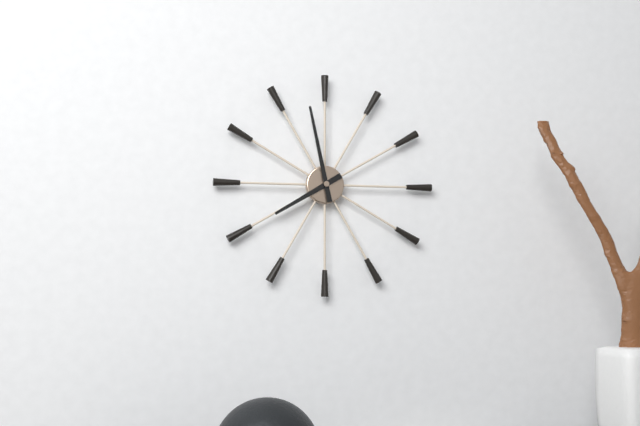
7:58
